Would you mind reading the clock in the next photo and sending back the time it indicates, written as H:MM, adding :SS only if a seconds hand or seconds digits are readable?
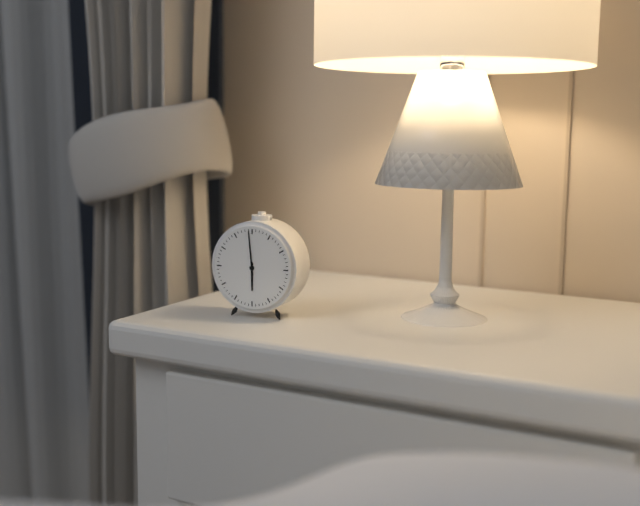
5:59
